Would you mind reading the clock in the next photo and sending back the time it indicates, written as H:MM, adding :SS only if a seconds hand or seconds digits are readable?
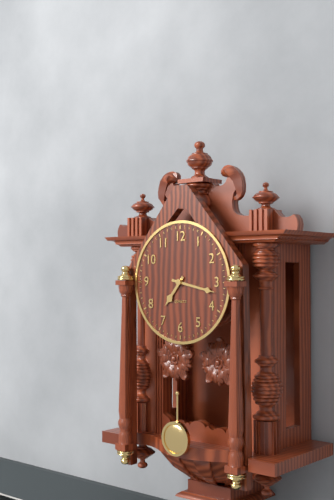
7:17
